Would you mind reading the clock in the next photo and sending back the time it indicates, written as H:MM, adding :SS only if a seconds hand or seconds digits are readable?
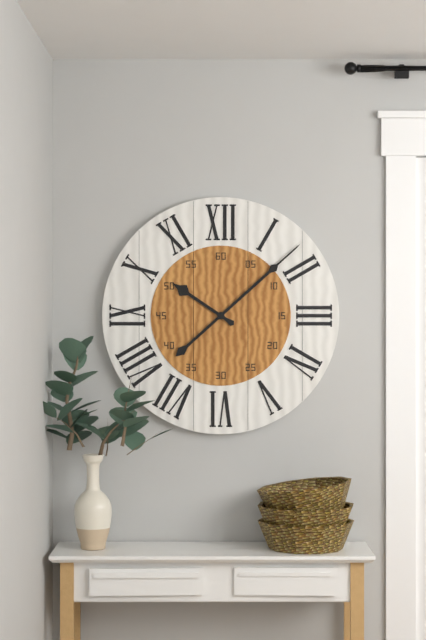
10:08
